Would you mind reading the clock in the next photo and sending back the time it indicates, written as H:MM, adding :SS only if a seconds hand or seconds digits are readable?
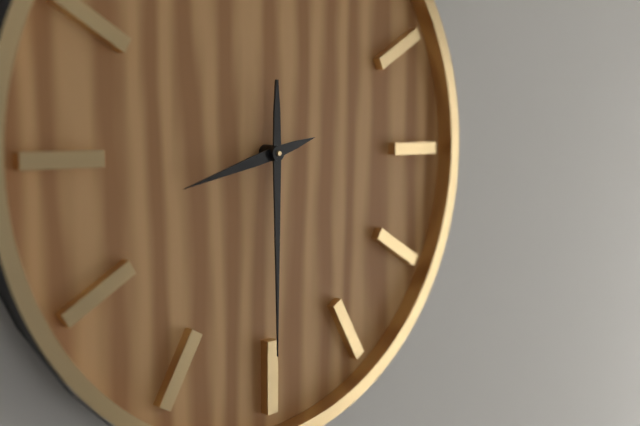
8:30
